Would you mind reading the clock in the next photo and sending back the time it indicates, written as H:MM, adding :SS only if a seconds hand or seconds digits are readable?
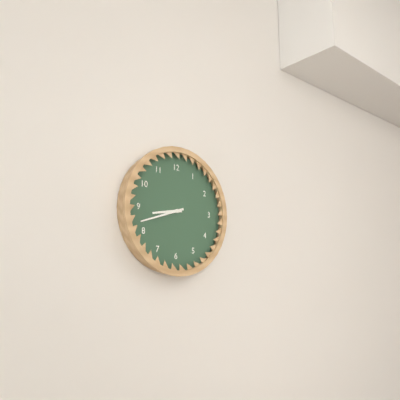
8:42
